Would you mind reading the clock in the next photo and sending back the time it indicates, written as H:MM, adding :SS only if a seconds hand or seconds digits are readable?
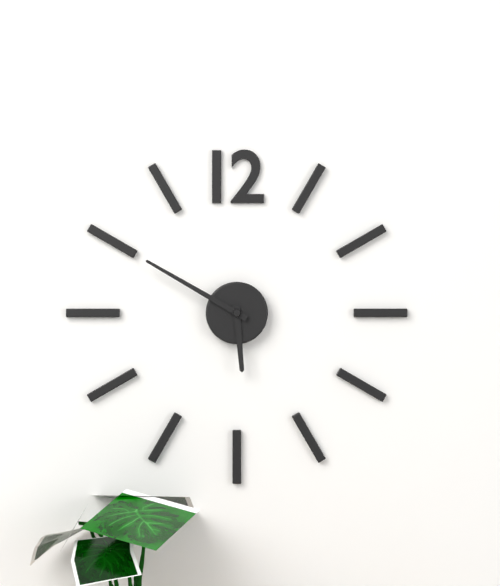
5:50
